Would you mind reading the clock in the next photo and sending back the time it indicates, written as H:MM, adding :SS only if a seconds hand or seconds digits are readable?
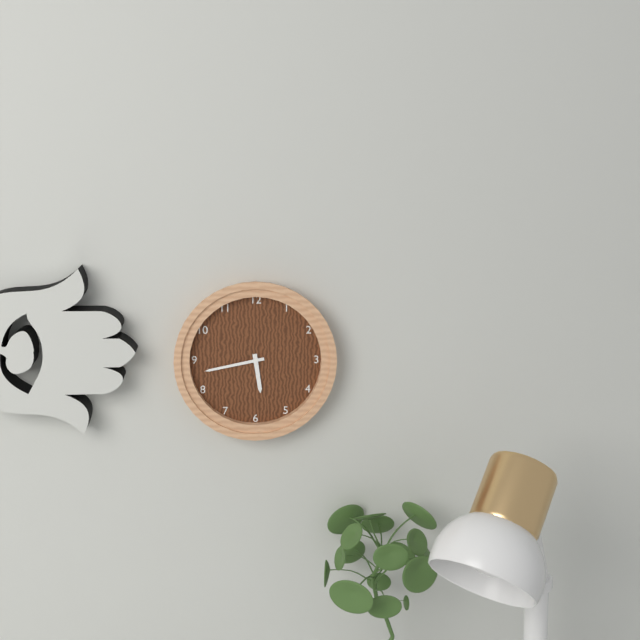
5:43
